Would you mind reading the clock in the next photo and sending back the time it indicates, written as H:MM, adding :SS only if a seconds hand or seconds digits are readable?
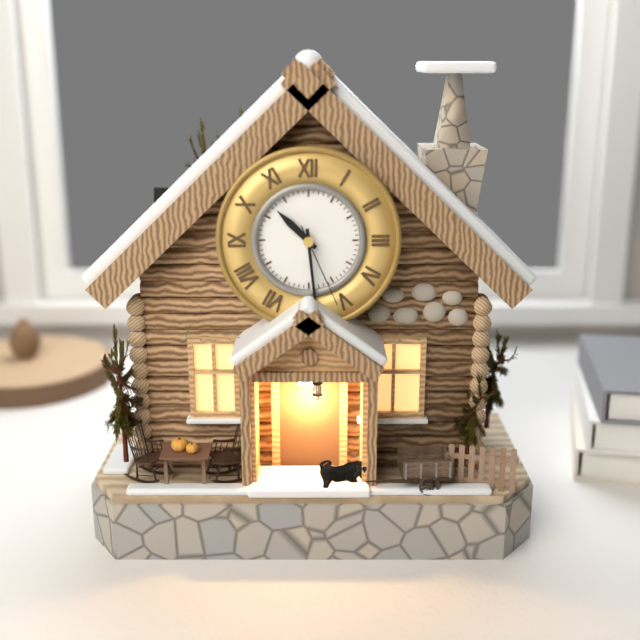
10:29:26
